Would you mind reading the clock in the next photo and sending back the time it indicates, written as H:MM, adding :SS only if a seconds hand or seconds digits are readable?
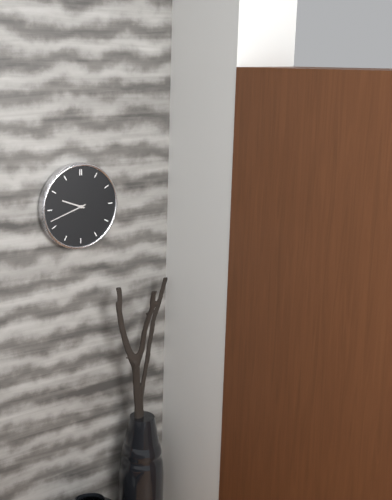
9:42
